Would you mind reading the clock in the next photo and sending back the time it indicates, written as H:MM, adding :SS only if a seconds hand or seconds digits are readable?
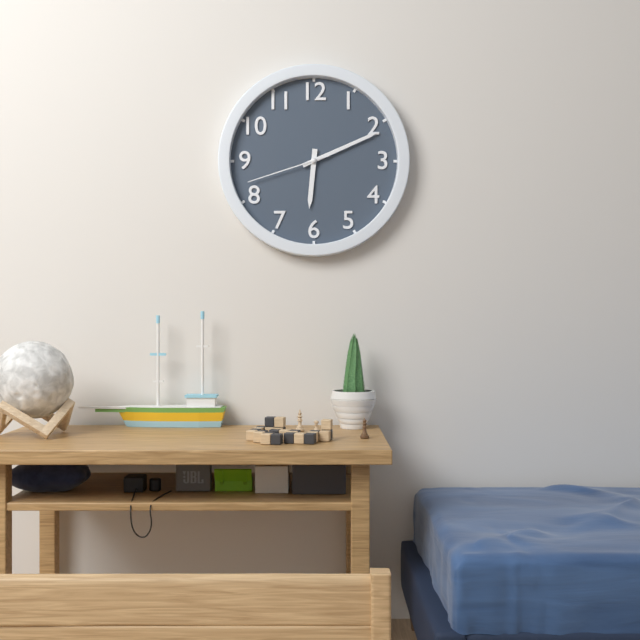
6:11:42
